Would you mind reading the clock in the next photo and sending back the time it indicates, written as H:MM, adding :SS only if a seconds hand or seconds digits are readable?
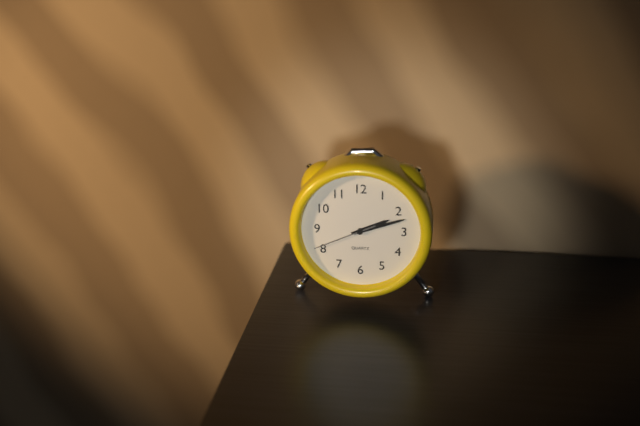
2:12:41
